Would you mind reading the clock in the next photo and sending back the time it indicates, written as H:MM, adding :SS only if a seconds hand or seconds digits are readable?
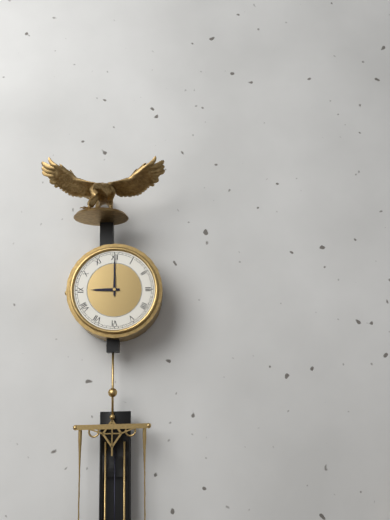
9:00
